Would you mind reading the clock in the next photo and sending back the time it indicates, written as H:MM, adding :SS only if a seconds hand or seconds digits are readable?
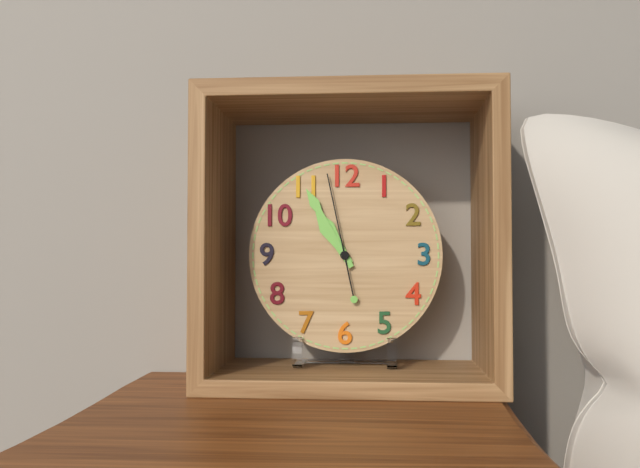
10:55:58
